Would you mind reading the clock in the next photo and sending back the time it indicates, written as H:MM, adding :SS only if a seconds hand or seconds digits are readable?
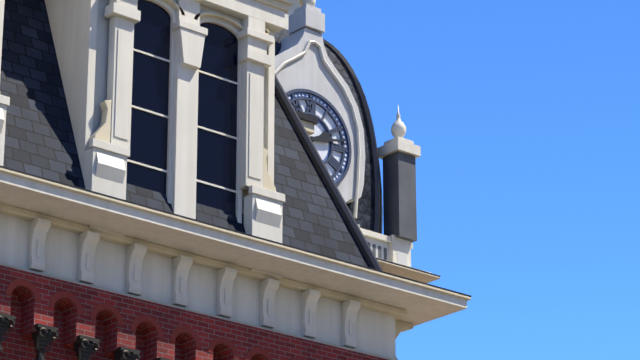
2:13
